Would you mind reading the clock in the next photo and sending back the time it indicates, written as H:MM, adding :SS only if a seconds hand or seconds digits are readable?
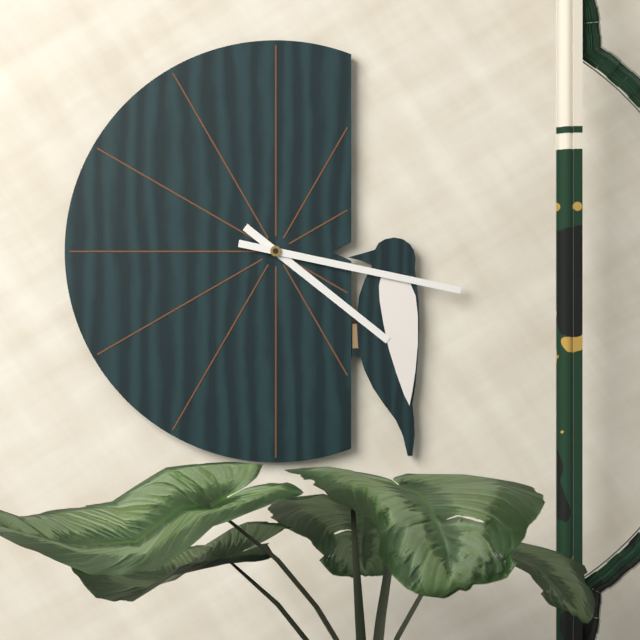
4:17
